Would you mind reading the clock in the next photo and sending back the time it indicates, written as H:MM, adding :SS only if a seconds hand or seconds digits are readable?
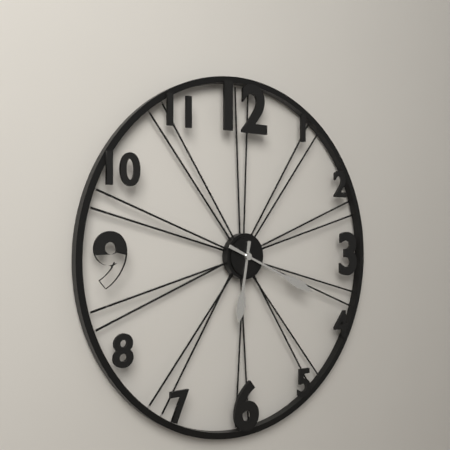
6:19
